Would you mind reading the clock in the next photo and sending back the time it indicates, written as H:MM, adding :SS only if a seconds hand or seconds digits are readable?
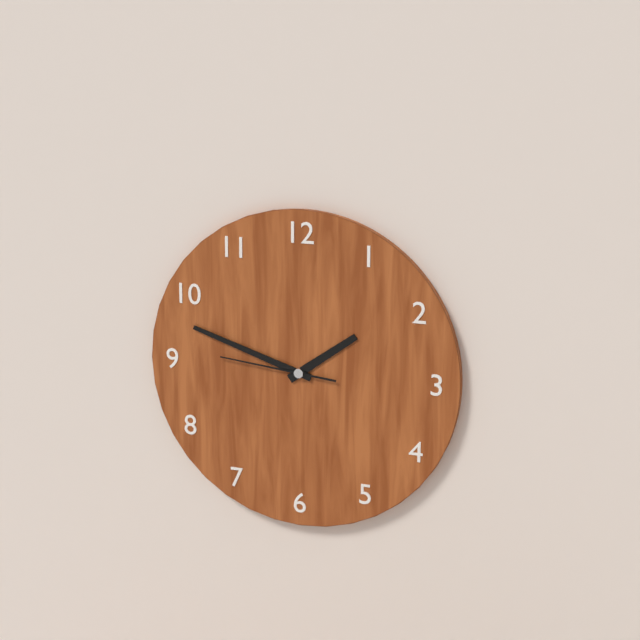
1:48:46
